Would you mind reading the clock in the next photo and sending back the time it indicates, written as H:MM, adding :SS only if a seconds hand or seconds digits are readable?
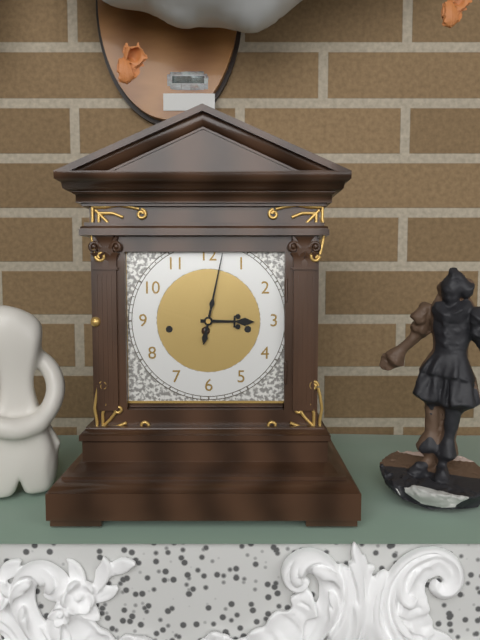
3:02
